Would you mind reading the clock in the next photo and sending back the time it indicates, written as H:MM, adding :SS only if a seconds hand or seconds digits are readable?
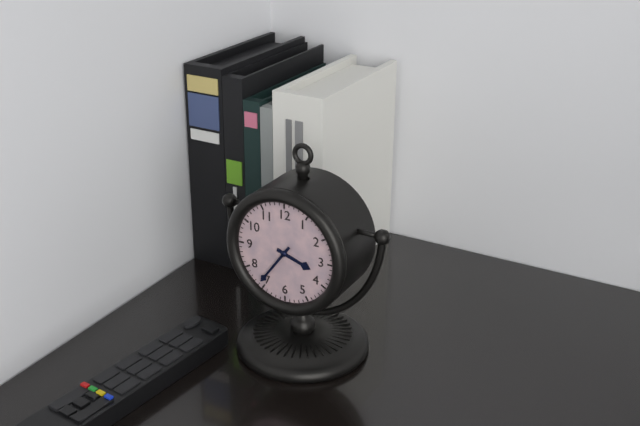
3:36
